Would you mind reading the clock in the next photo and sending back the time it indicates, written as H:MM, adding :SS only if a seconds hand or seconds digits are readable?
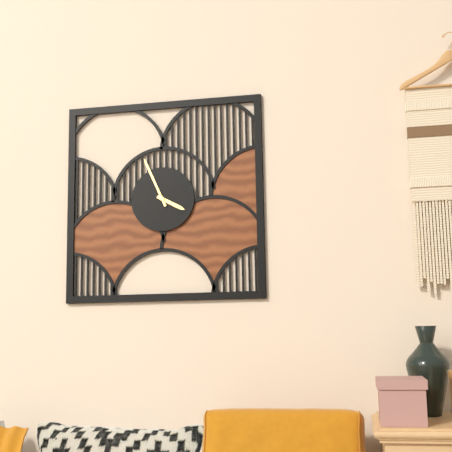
3:56
